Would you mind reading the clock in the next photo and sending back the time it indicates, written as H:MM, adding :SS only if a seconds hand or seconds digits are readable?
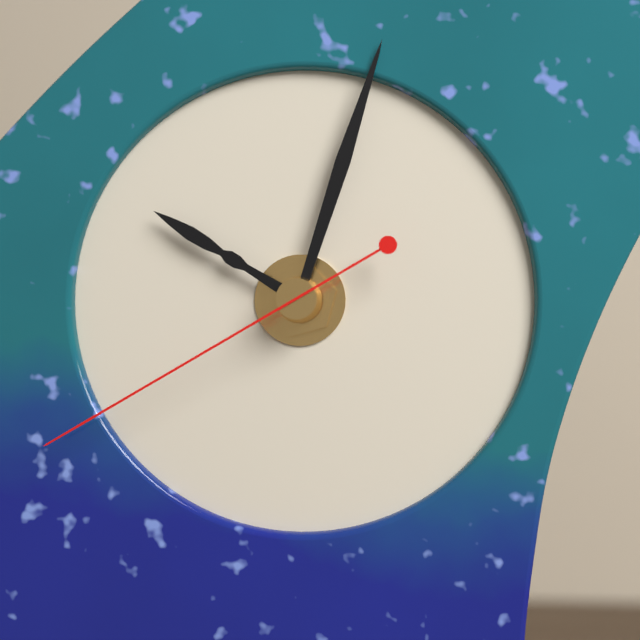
10:03:40
